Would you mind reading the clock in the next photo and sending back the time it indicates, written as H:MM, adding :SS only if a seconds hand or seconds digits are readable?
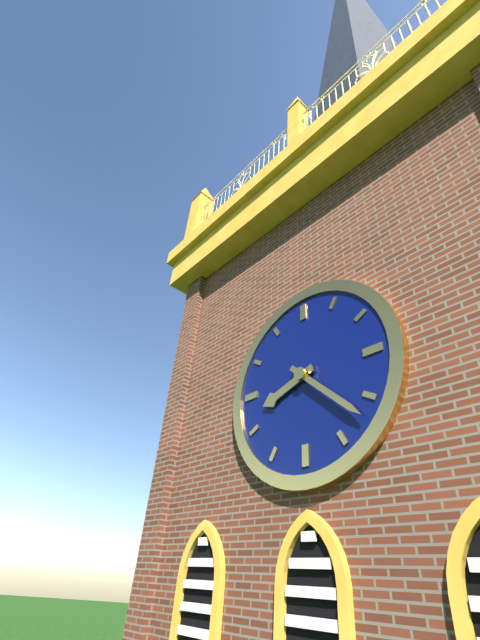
8:22
